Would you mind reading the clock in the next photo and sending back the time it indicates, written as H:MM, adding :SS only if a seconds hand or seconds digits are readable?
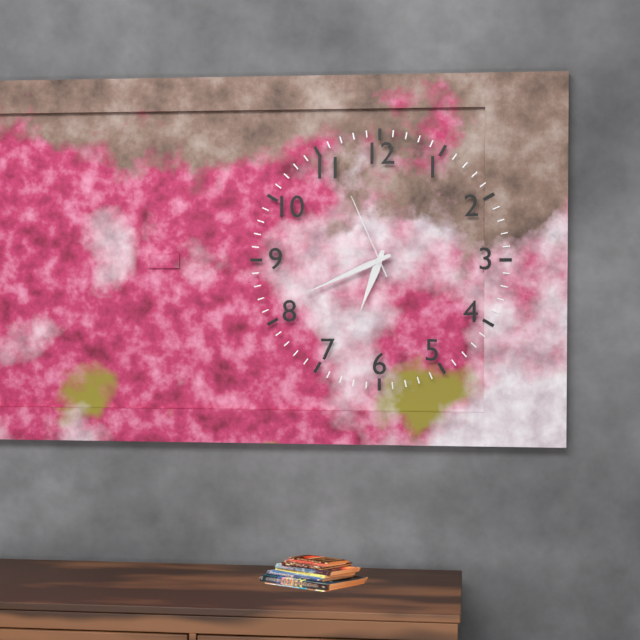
6:41:56
